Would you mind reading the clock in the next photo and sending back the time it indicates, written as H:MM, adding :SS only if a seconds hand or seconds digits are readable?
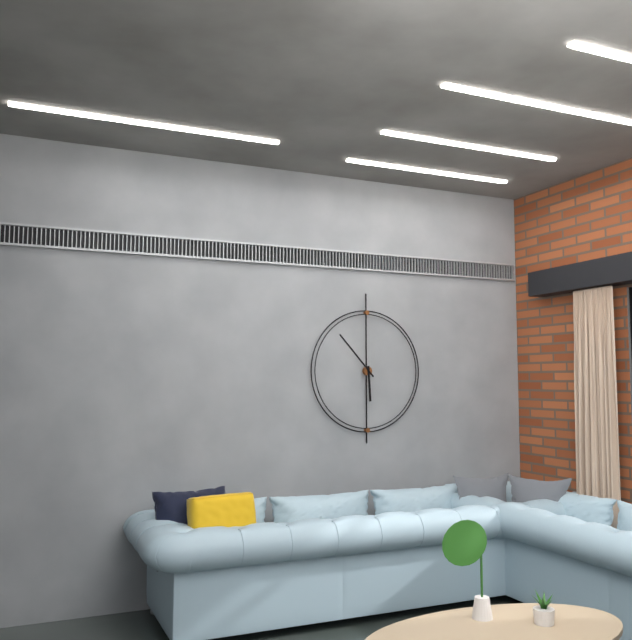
5:53
